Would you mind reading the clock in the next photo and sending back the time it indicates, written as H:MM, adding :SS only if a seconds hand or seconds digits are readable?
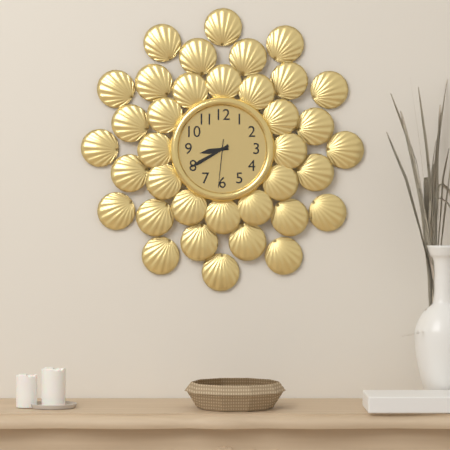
8:40
